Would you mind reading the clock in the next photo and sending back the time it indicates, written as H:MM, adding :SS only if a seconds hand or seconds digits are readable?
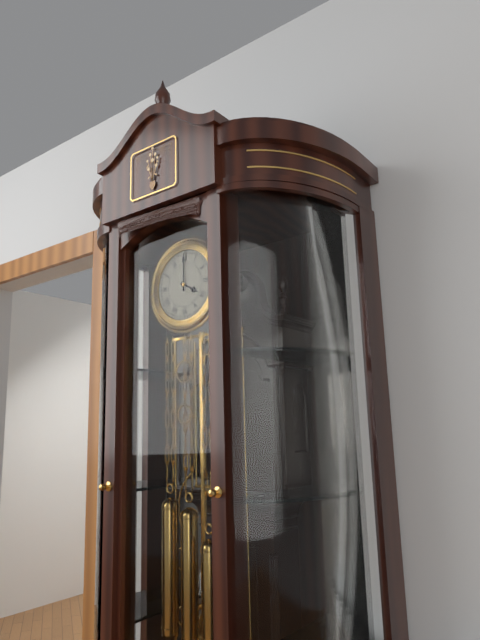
4:00
